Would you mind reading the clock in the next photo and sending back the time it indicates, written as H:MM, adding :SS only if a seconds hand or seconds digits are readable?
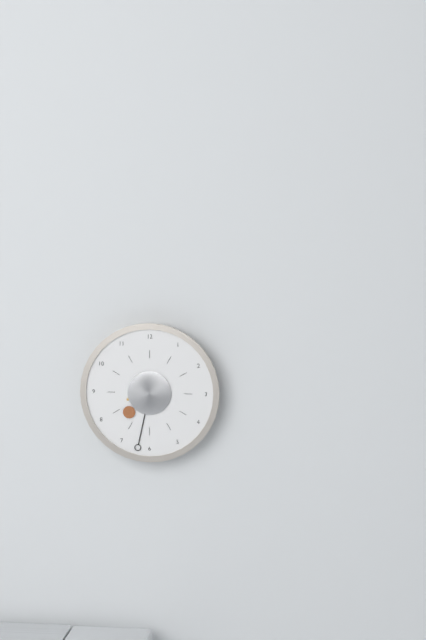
7:32
